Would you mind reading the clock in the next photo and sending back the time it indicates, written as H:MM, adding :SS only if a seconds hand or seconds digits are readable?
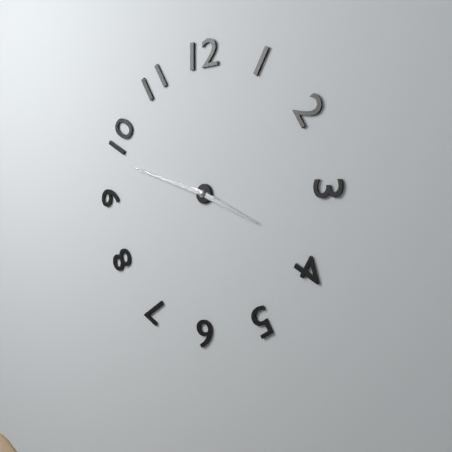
3:48
